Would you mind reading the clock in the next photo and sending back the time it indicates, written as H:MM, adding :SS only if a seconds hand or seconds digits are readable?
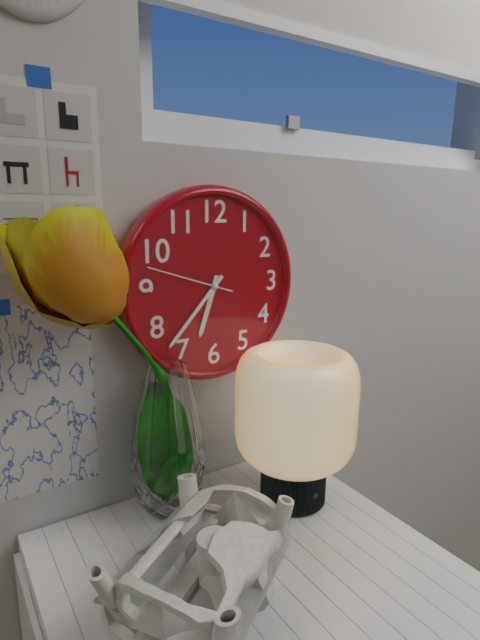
6:37:48
